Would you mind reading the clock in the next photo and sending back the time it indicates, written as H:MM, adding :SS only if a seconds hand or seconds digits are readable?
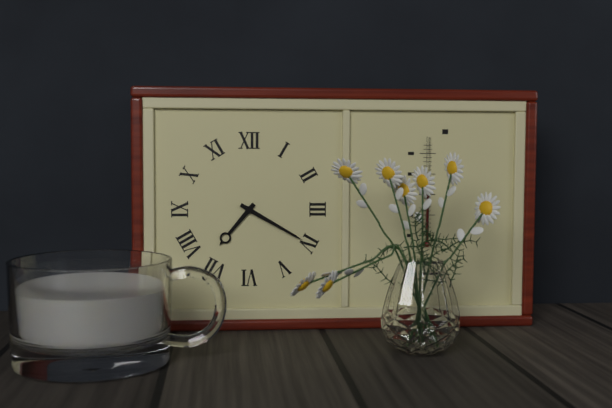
7:20
